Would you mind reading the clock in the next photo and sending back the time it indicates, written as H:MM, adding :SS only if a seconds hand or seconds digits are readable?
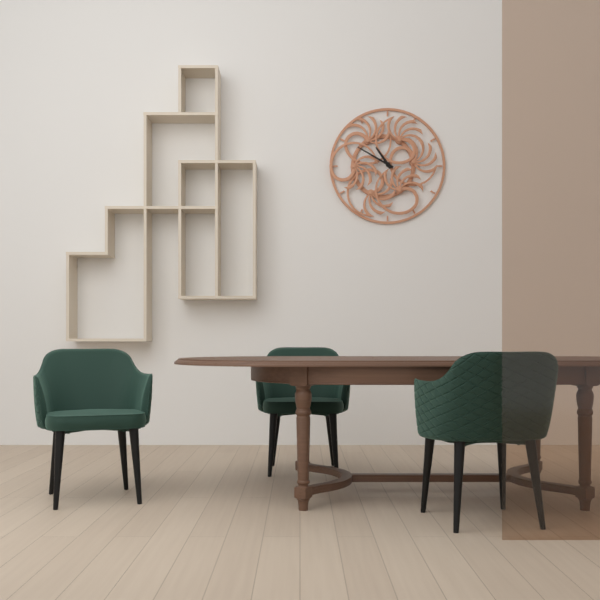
10:50
